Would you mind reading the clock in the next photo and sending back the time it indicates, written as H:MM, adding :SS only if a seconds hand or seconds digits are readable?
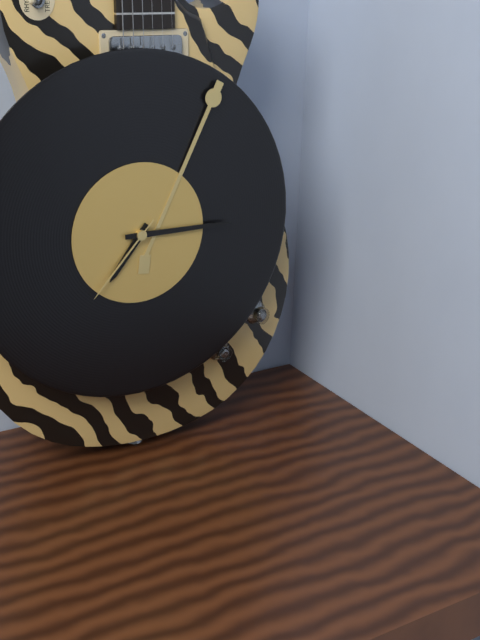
7:15:37
